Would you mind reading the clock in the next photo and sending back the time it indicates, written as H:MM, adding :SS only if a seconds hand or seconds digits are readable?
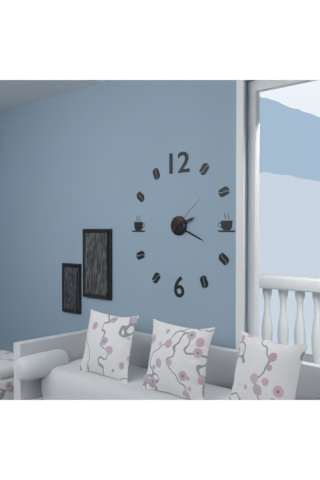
2:19
